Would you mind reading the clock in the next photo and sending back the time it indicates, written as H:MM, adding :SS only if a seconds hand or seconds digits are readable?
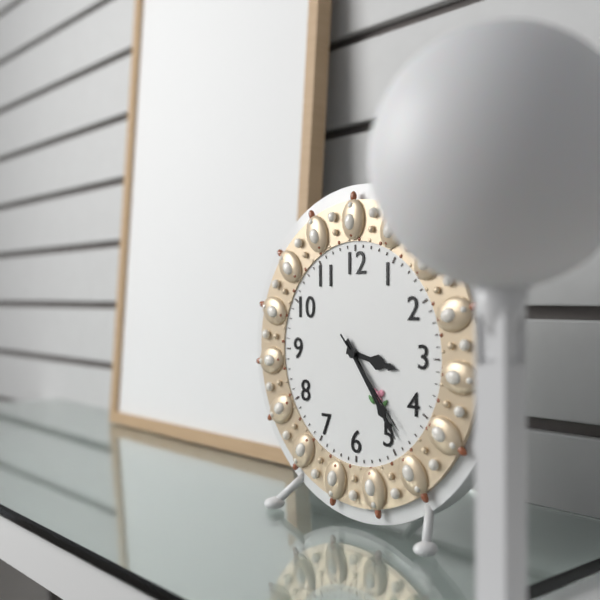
3:24:23
